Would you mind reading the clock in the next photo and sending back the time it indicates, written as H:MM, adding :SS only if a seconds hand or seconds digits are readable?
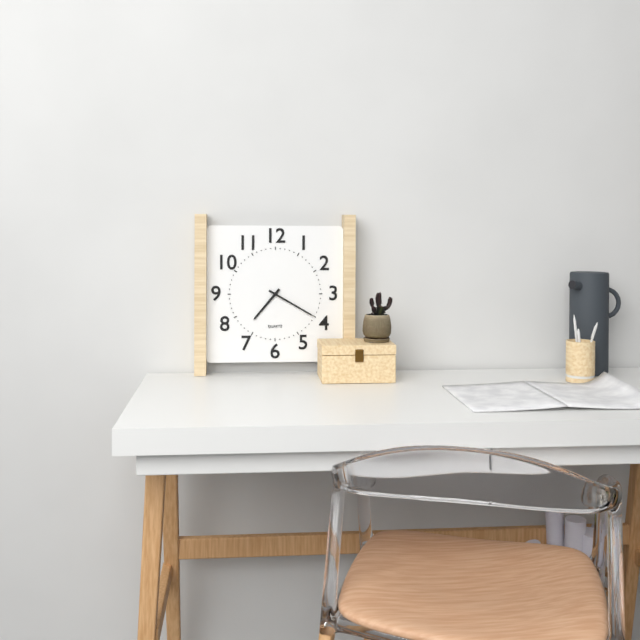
7:20
